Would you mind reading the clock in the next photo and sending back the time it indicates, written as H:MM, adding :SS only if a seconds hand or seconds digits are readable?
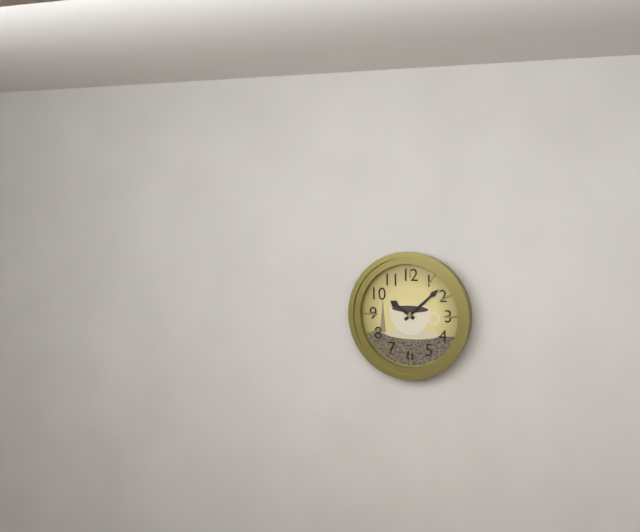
10:08
